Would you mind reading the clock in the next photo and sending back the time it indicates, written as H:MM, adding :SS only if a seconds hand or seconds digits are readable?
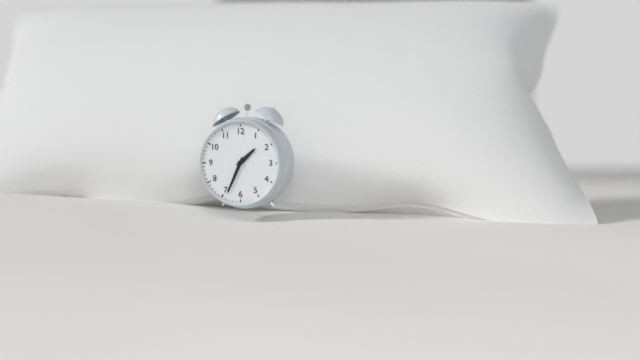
1:34
